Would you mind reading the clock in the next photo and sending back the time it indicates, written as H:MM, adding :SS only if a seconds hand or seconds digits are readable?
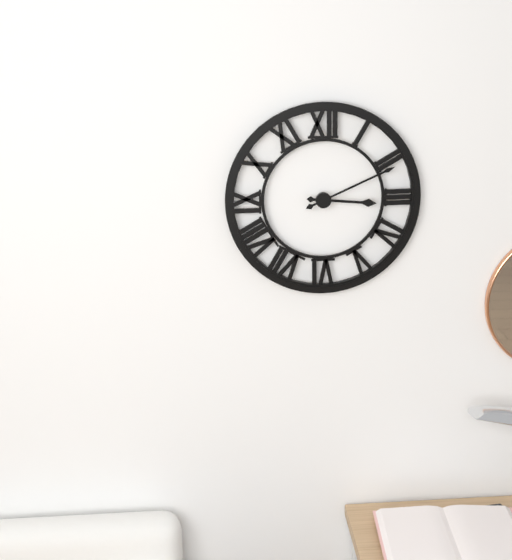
3:11
